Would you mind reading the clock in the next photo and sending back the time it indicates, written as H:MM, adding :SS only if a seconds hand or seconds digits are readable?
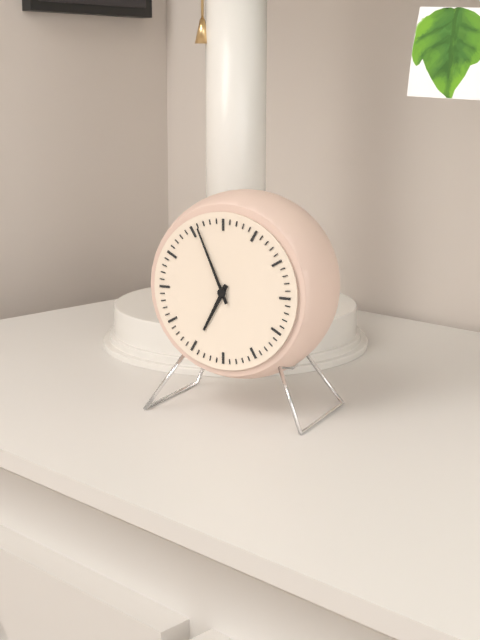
6:56
